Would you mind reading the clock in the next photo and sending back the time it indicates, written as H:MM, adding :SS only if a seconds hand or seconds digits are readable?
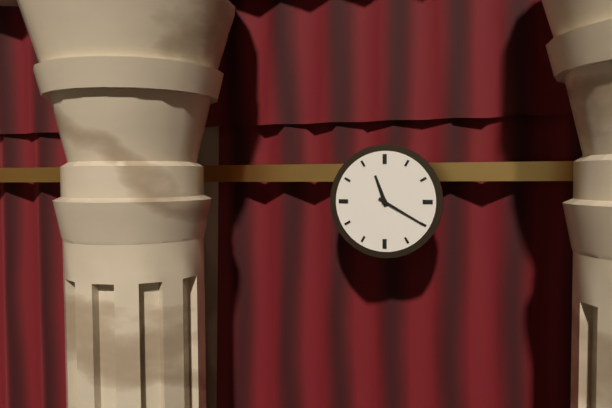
11:20
